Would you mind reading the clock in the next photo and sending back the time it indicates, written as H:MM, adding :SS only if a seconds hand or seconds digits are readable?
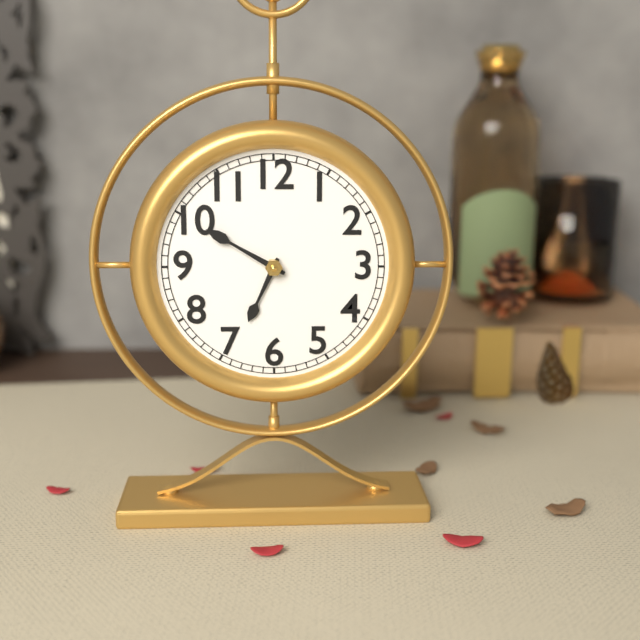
6:50
